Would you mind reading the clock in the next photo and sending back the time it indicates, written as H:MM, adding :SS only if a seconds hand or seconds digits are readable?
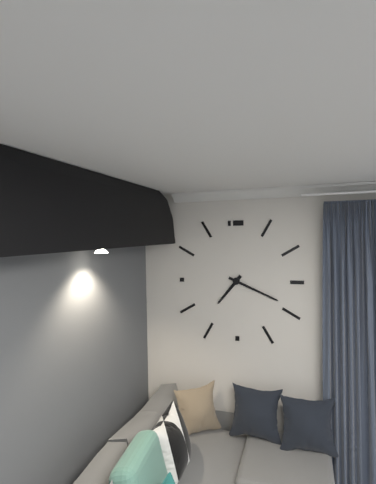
7:19
